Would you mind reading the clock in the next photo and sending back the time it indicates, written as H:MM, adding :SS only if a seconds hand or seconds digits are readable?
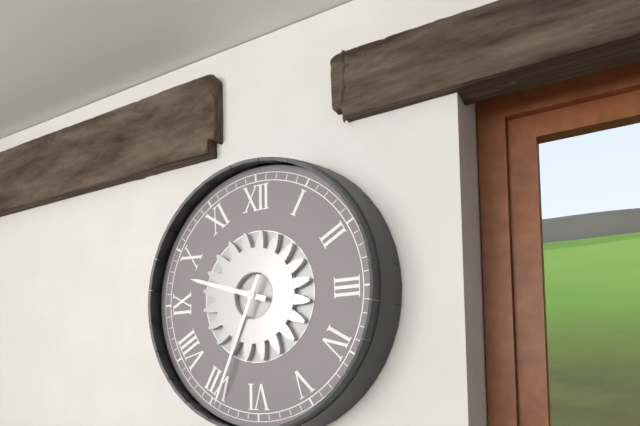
9:34
